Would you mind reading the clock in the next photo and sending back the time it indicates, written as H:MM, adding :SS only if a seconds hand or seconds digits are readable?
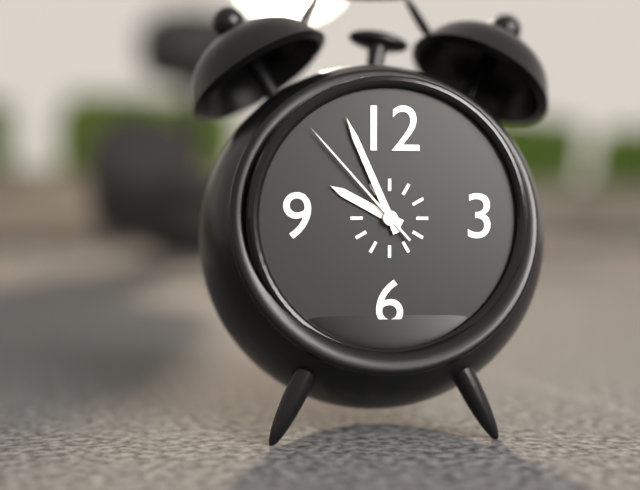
9:56:53
